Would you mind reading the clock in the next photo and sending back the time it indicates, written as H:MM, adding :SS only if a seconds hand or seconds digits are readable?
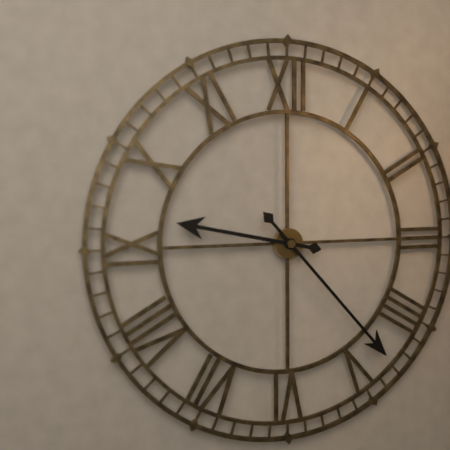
9:23
